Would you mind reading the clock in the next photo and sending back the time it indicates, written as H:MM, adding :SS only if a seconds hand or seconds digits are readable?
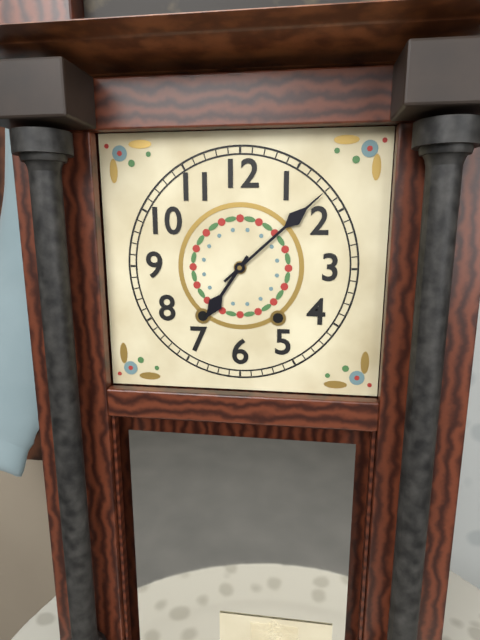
7:08
